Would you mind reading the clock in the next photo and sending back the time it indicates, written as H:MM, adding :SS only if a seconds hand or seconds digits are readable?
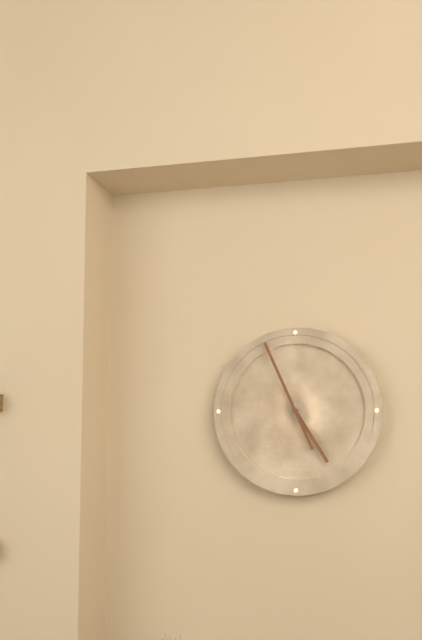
4:56
